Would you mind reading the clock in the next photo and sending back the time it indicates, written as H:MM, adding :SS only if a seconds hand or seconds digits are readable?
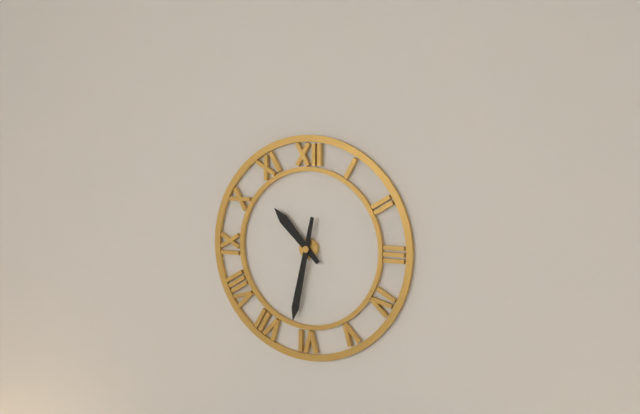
10:32
